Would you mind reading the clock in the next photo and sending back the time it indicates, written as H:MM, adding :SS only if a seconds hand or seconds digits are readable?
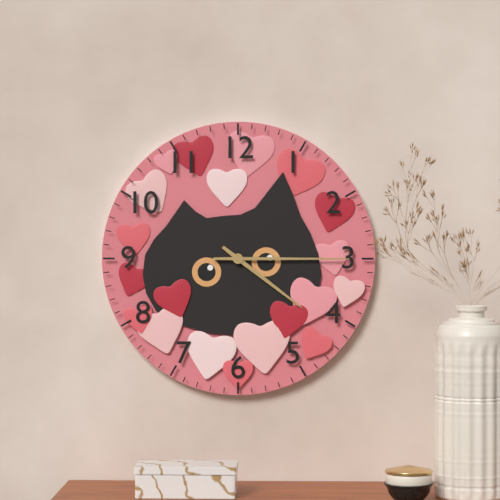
4:15
